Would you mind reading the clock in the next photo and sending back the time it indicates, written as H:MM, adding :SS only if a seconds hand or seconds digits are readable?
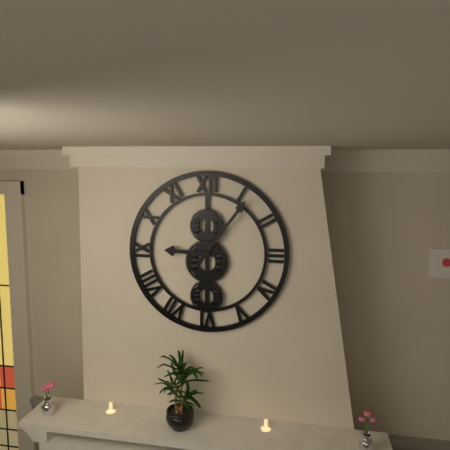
9:06
